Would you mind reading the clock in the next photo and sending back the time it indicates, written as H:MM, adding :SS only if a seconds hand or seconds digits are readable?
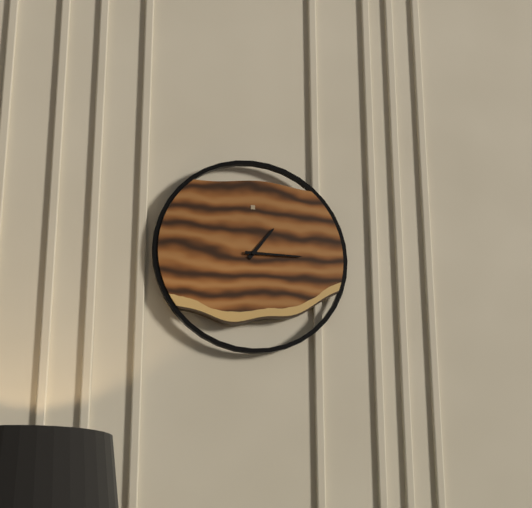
1:15
